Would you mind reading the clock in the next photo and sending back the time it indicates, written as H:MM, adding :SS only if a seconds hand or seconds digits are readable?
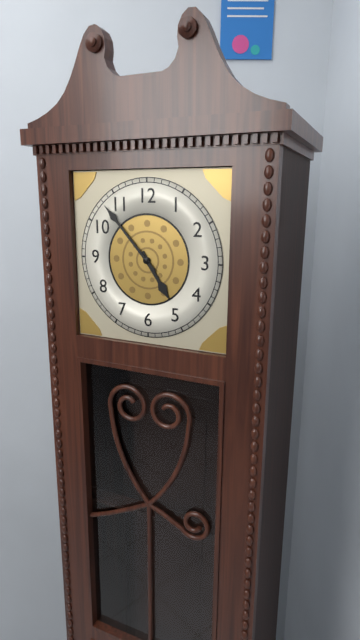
4:53
